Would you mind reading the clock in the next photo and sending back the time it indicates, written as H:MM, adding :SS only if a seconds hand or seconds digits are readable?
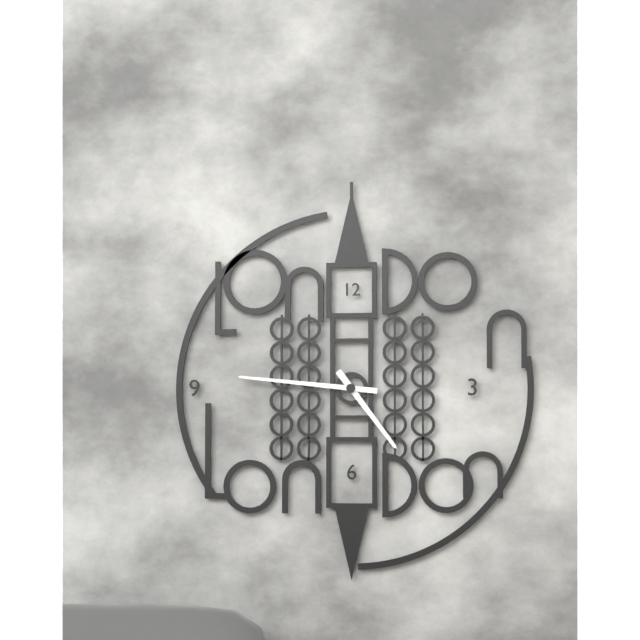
4:46
